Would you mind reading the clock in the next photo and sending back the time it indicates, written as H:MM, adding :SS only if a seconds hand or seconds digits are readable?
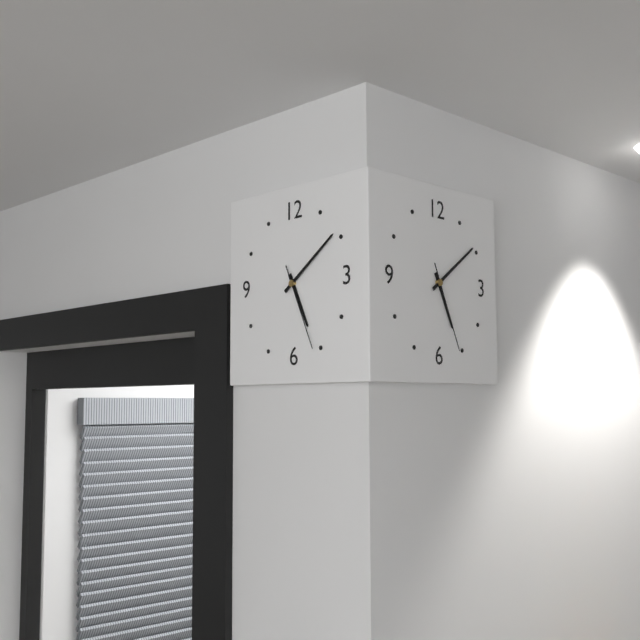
5:09:26
